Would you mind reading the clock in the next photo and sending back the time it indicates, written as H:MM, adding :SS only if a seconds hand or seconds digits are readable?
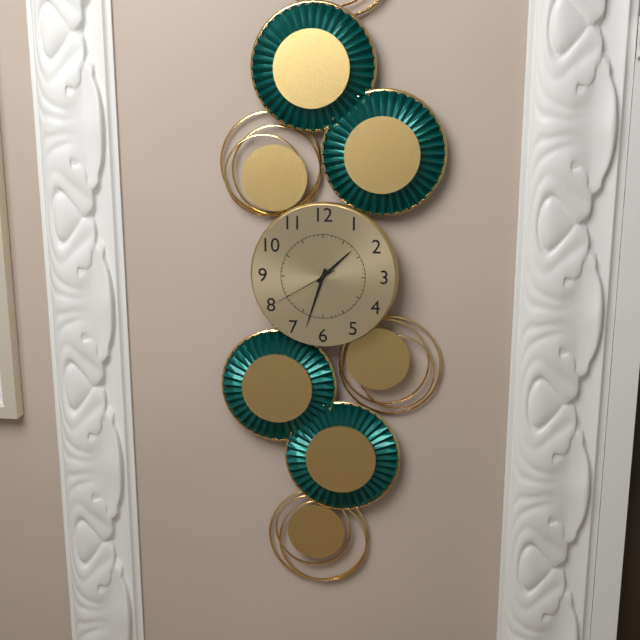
1:33:40
